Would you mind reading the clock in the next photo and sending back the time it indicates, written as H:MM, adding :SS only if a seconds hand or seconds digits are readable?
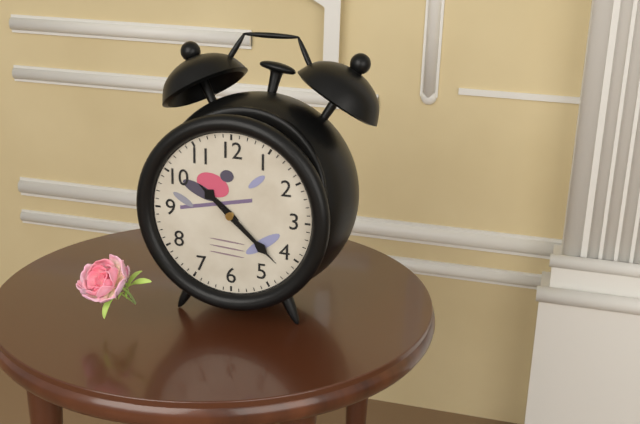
10:22
